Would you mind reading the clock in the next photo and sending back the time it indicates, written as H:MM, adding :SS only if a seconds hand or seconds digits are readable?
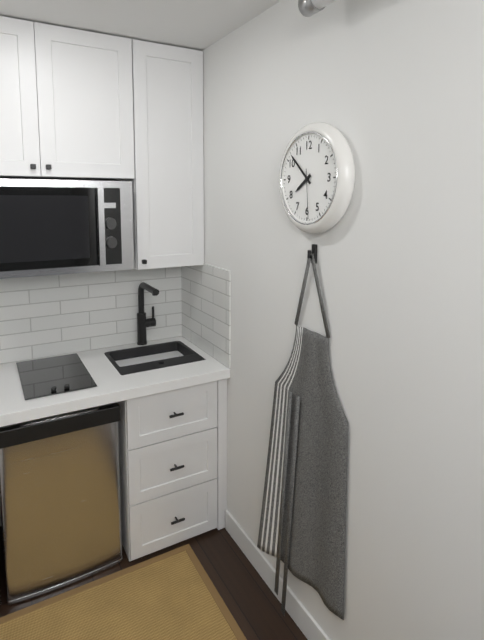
7:52:29
